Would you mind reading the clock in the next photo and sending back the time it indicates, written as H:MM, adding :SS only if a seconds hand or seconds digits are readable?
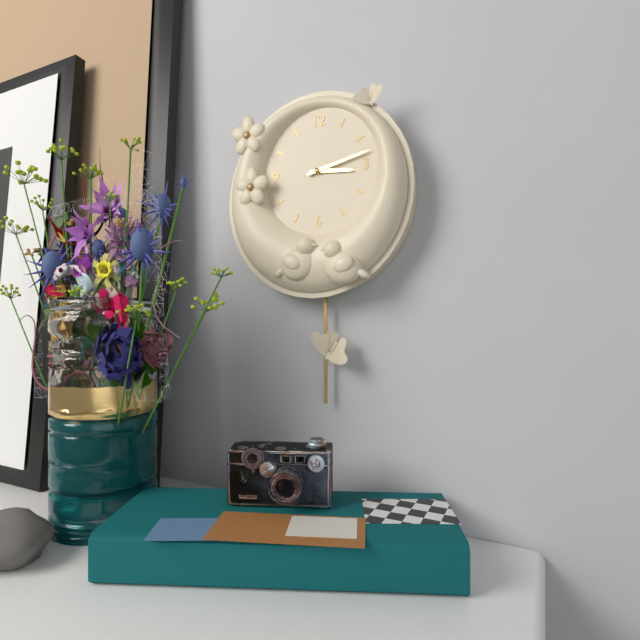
3:13
